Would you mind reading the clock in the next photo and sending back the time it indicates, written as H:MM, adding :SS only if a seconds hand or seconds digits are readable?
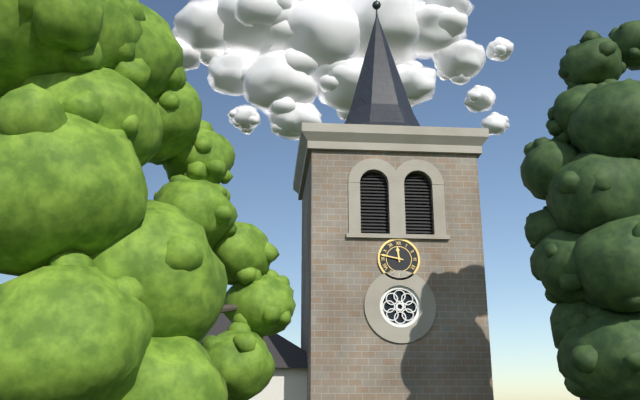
11:47
